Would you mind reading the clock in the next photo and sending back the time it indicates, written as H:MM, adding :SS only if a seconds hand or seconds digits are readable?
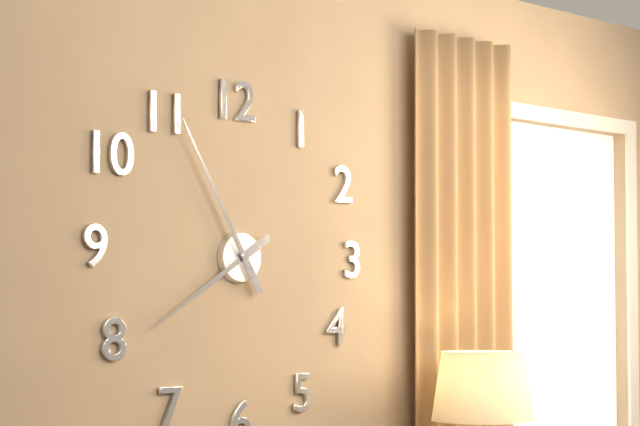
7:55
